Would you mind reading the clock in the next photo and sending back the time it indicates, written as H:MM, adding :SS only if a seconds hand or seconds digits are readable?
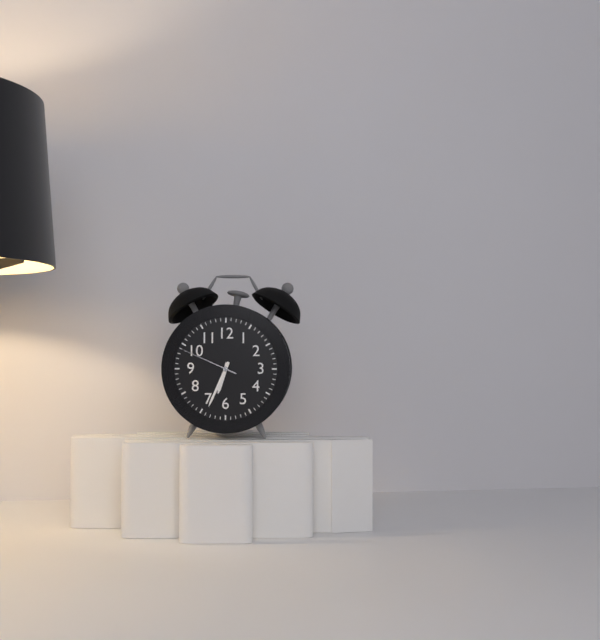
6:34:49
